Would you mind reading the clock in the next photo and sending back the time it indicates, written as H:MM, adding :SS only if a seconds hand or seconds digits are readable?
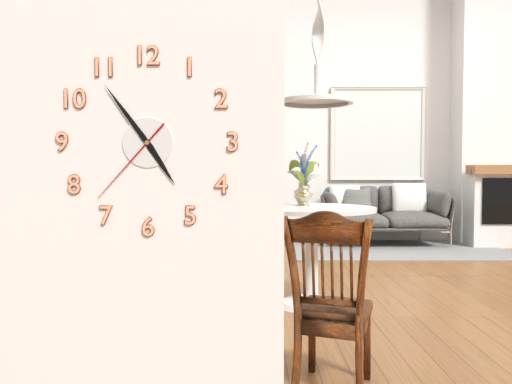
4:54:37
